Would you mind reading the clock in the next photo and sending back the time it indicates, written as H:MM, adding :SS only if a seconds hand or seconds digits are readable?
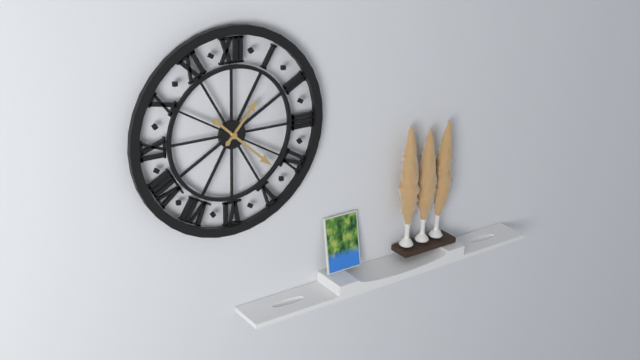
1:22
